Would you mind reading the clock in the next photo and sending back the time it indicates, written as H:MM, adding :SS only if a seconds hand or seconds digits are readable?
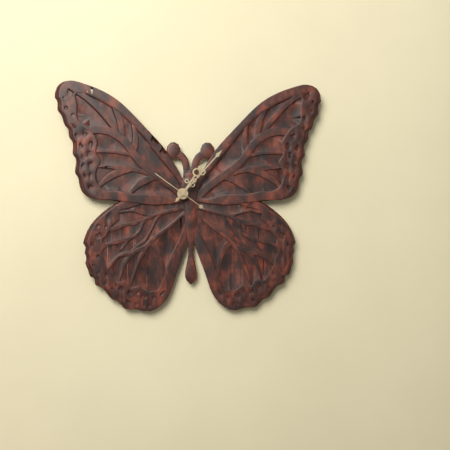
1:07
